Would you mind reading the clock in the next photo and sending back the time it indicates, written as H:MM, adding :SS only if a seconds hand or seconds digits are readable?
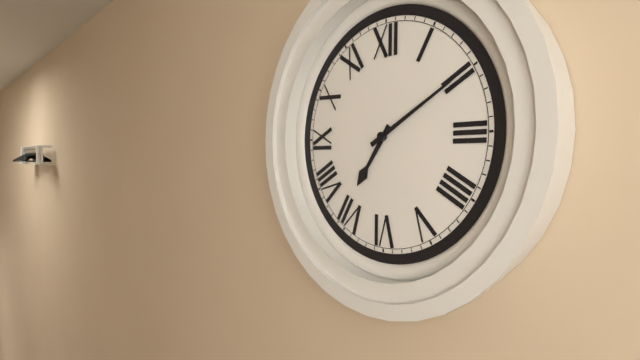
7:10
